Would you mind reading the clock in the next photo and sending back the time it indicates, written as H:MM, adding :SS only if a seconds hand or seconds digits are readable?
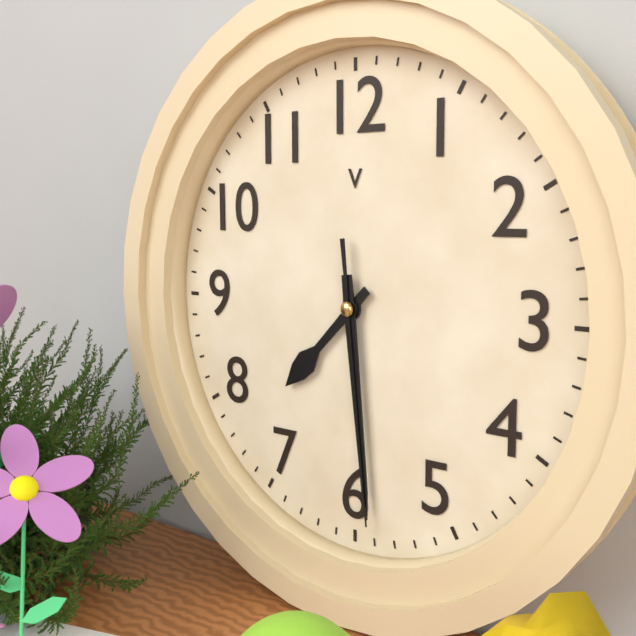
7:29:29
